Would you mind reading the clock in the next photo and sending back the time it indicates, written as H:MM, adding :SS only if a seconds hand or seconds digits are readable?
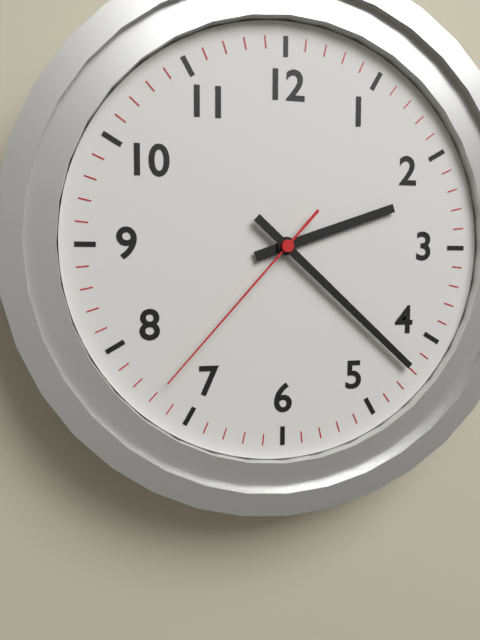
2:22:37
